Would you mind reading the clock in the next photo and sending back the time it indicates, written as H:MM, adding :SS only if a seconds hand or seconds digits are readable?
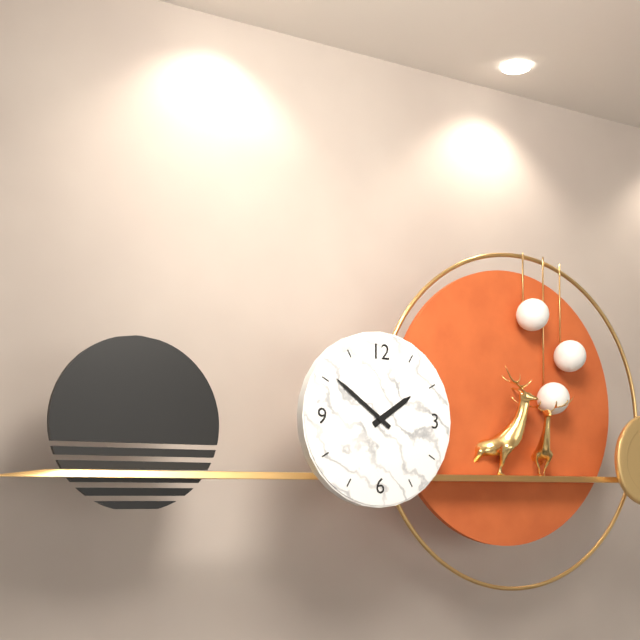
1:51
